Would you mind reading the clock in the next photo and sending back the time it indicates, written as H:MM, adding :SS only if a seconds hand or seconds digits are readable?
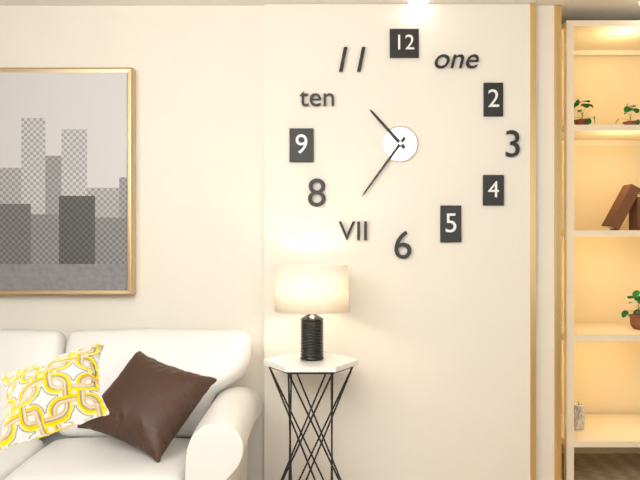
10:36
